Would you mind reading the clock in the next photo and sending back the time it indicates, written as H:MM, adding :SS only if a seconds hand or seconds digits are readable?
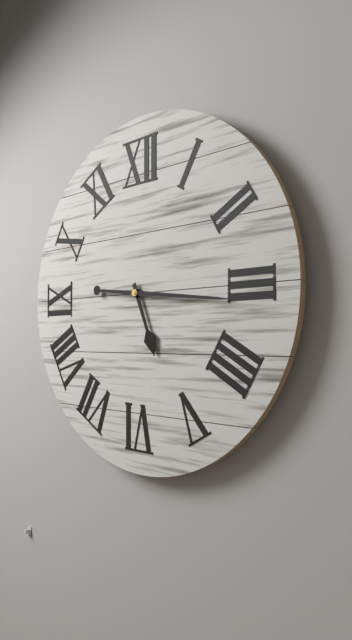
5:16
